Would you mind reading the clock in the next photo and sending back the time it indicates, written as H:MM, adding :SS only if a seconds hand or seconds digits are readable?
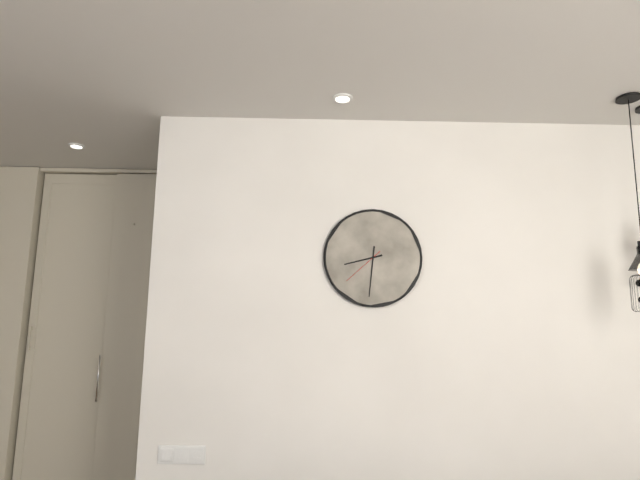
8:31
